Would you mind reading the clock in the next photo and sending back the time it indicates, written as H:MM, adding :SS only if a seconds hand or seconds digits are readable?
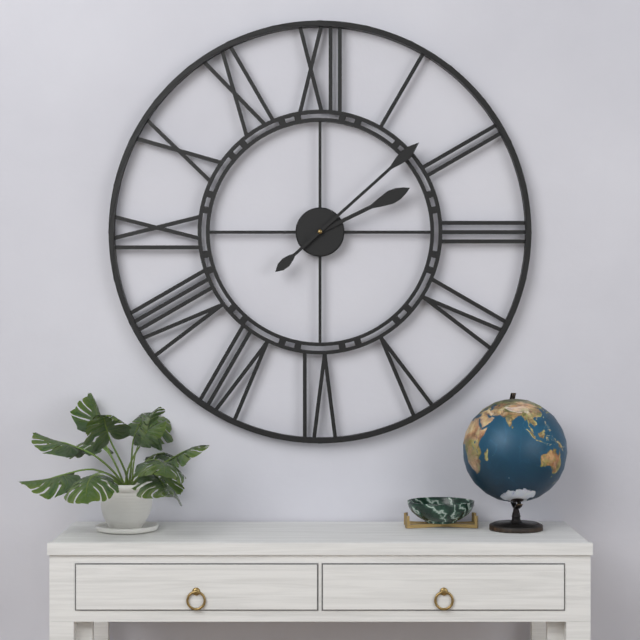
2:08
